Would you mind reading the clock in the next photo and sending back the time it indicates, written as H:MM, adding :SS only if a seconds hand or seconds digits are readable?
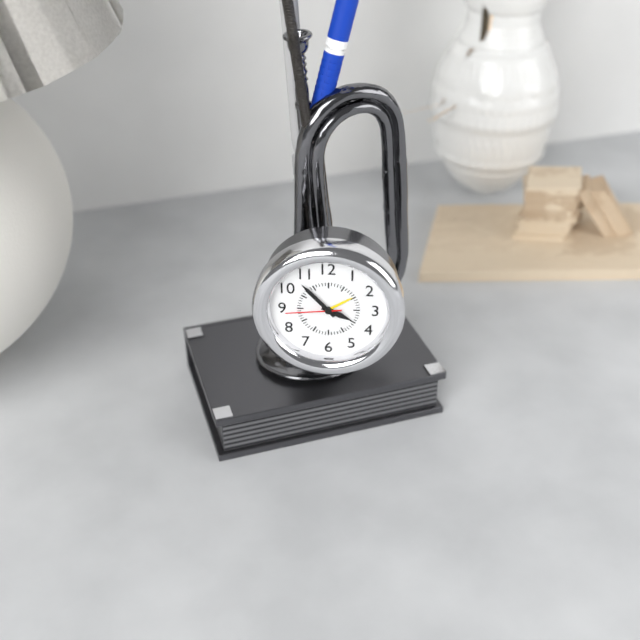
3:53:44
